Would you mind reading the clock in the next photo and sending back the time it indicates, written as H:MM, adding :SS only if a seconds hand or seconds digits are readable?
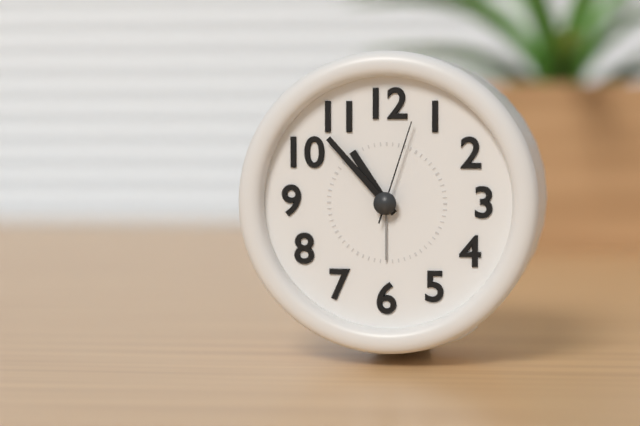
10:53:03
